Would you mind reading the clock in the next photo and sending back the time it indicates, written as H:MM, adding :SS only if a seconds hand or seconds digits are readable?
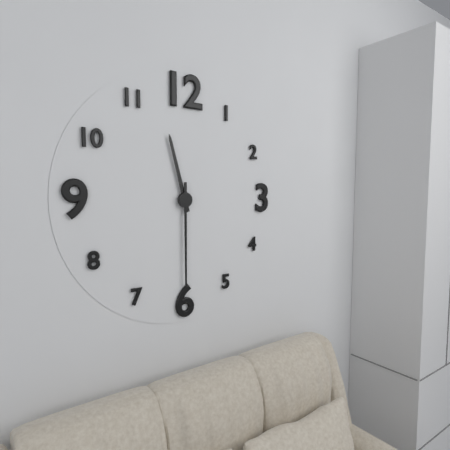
11:30
